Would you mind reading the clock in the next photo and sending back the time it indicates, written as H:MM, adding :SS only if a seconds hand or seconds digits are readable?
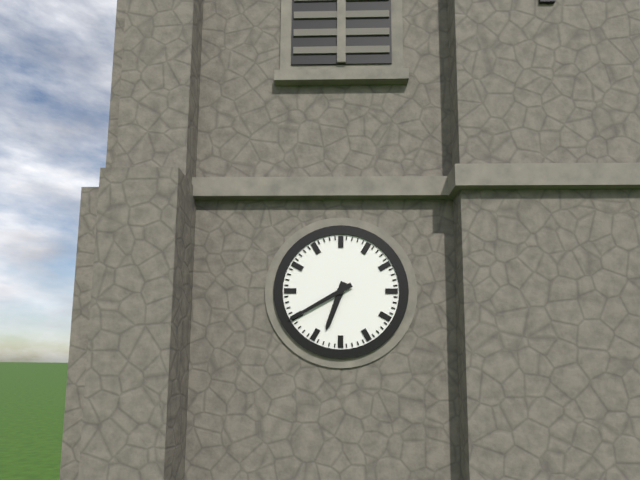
6:40
